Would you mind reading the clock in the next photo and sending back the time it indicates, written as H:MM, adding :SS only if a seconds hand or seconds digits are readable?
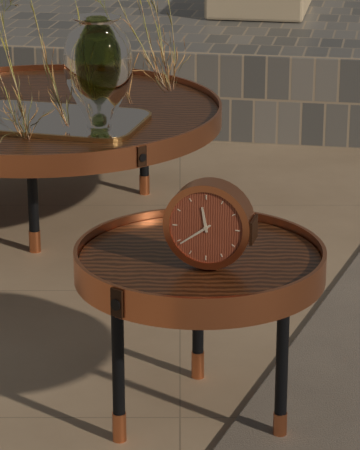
11:39
